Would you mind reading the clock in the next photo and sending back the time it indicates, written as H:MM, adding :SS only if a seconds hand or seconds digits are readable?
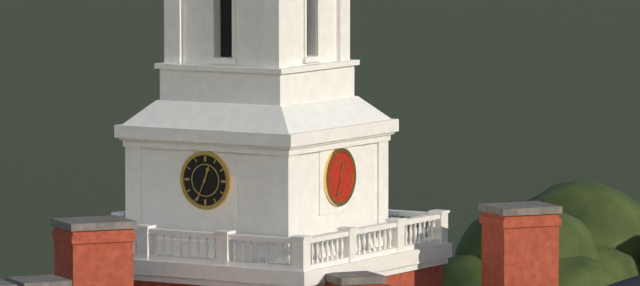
12:34
